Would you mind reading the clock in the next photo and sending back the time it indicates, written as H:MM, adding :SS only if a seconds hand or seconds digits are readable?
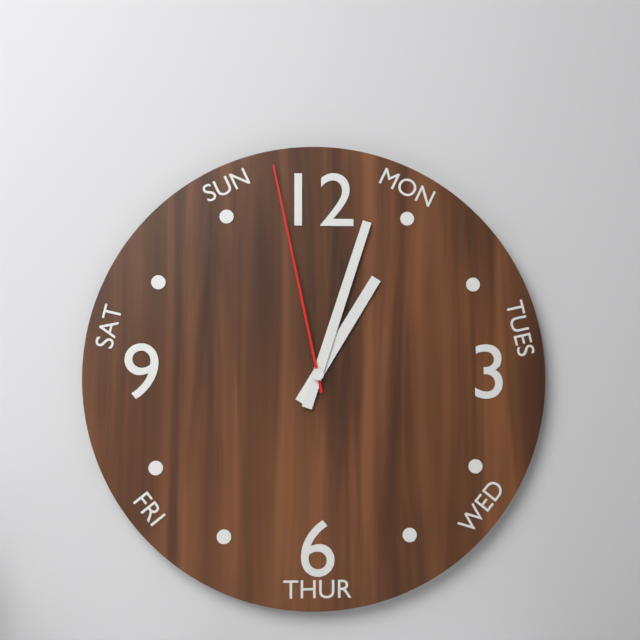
1:03:58
